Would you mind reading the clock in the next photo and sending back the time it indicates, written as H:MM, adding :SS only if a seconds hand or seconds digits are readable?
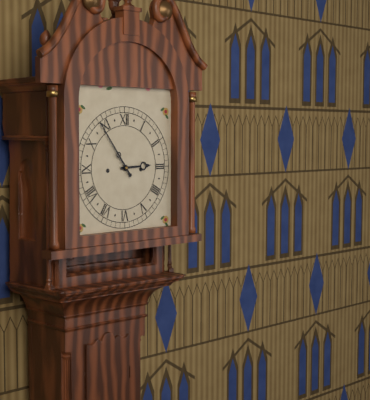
2:54
